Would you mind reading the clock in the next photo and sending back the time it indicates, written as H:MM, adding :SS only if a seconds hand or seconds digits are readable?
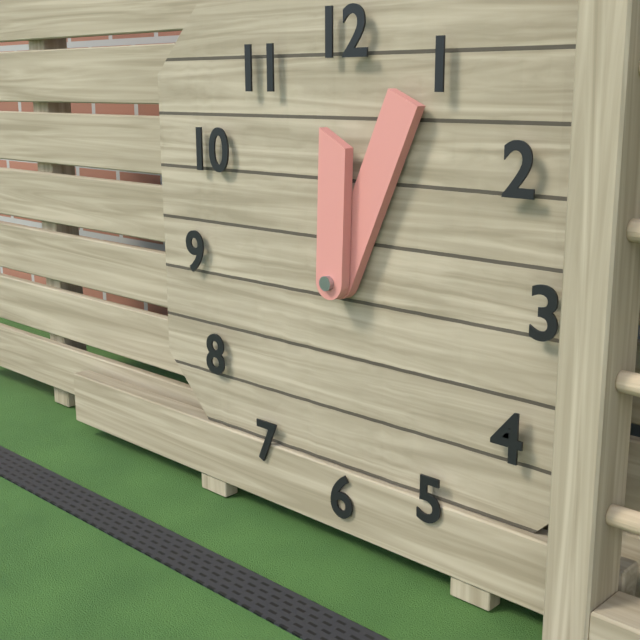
12:04
